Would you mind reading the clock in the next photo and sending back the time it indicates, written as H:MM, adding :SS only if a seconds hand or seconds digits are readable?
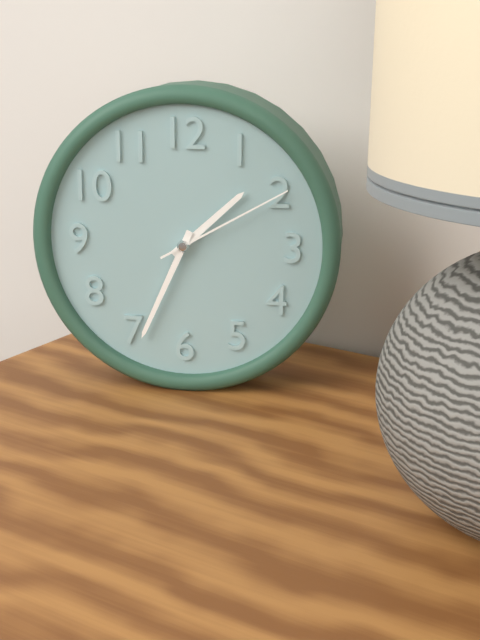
1:34:10
